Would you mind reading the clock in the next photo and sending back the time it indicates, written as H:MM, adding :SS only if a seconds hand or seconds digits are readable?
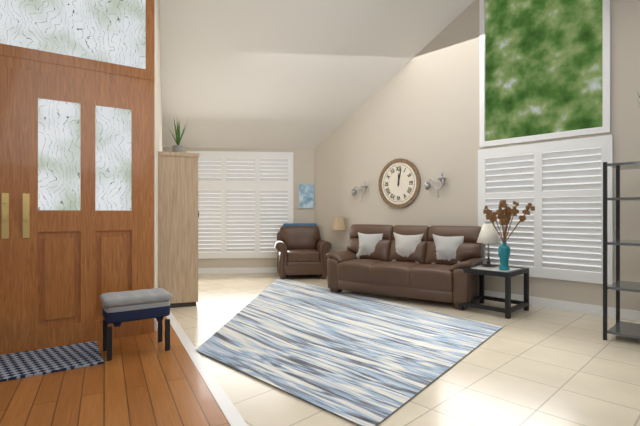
12:02
